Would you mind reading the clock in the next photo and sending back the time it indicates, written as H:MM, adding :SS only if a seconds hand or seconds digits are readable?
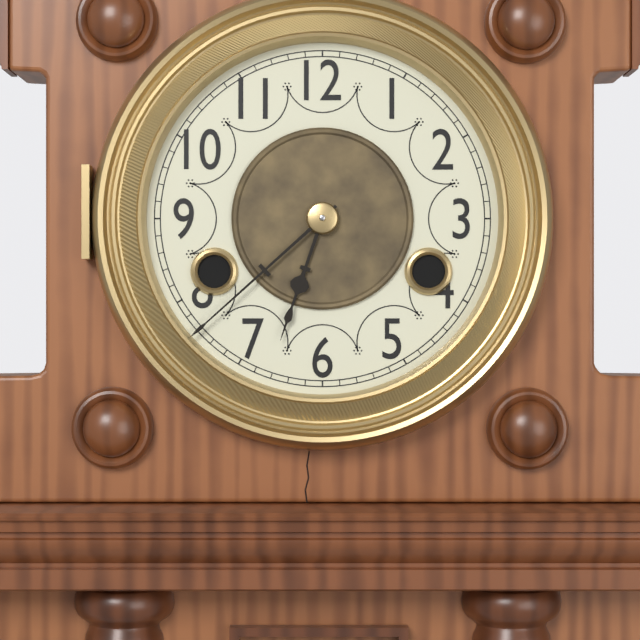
6:38
